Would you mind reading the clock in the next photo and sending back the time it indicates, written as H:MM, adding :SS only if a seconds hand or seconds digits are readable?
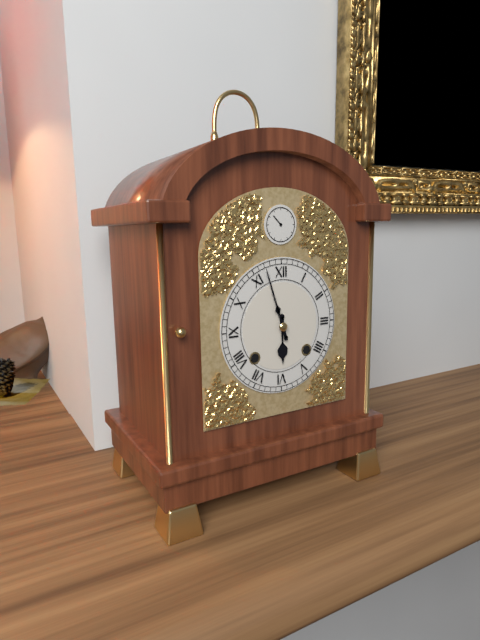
5:57
